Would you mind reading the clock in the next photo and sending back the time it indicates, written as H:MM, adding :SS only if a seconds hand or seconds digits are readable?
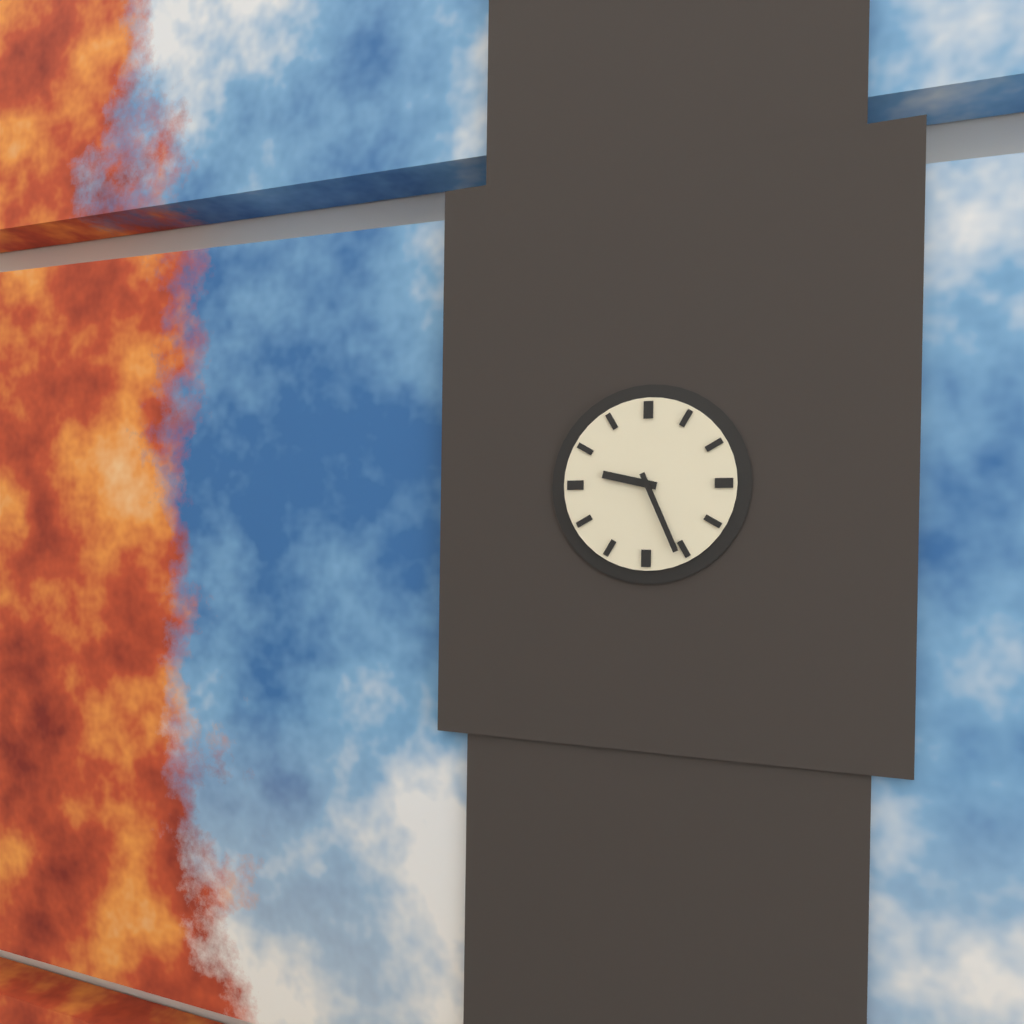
9:26
